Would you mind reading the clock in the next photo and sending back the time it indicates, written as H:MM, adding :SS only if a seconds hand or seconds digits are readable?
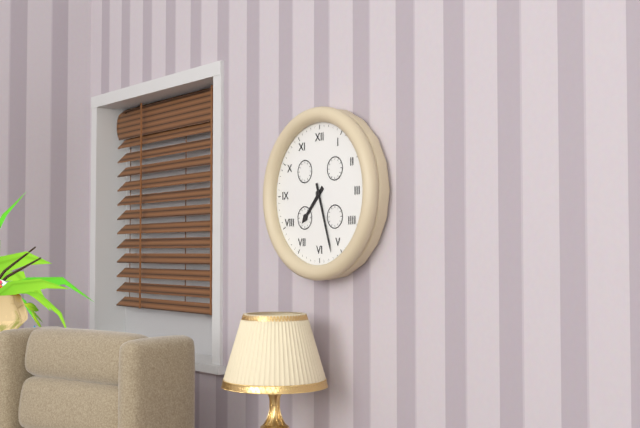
7:27
